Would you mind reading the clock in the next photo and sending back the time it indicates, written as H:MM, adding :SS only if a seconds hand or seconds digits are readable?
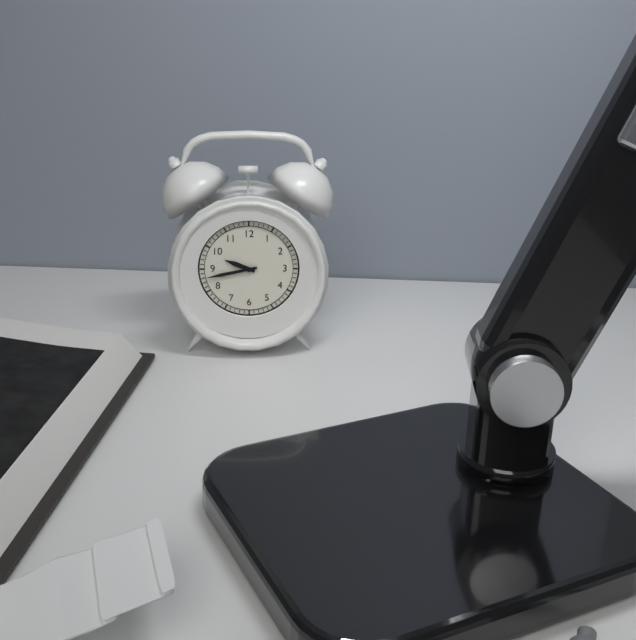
9:43
